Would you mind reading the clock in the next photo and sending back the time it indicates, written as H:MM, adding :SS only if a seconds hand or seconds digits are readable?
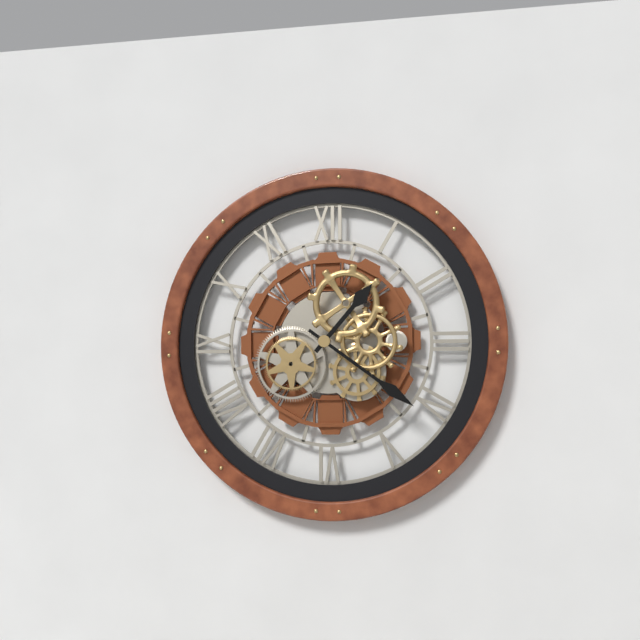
1:21
